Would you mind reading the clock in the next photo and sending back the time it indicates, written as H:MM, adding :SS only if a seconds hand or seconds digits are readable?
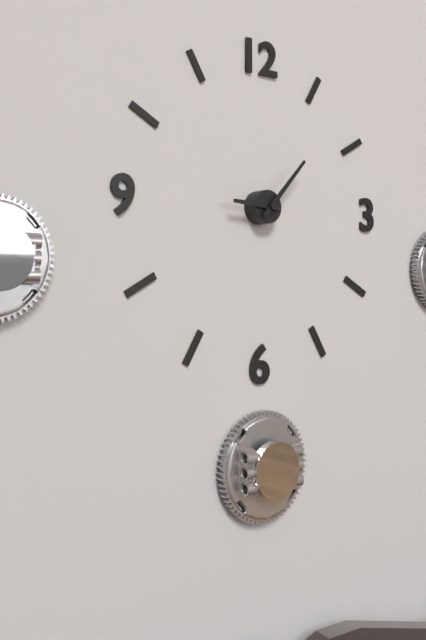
9:07
